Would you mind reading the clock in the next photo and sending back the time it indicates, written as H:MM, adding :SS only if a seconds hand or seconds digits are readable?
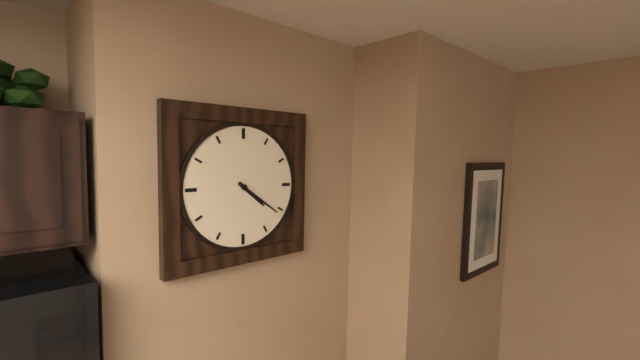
4:21
